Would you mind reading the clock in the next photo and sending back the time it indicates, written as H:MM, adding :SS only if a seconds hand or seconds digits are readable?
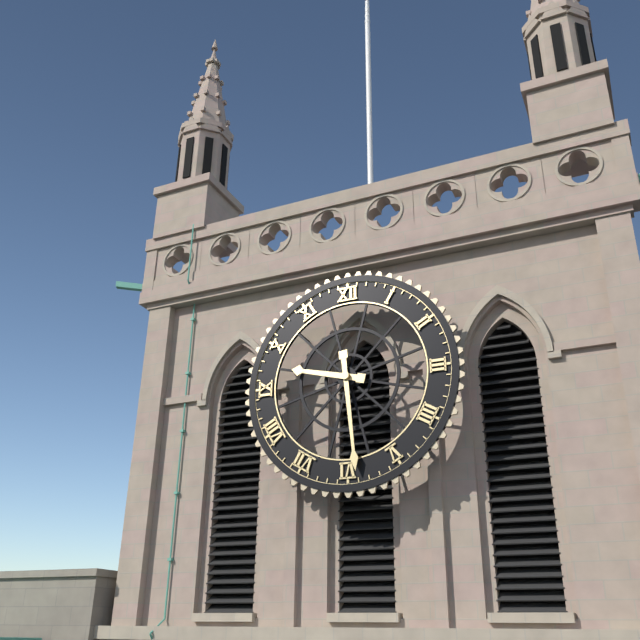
9:29
